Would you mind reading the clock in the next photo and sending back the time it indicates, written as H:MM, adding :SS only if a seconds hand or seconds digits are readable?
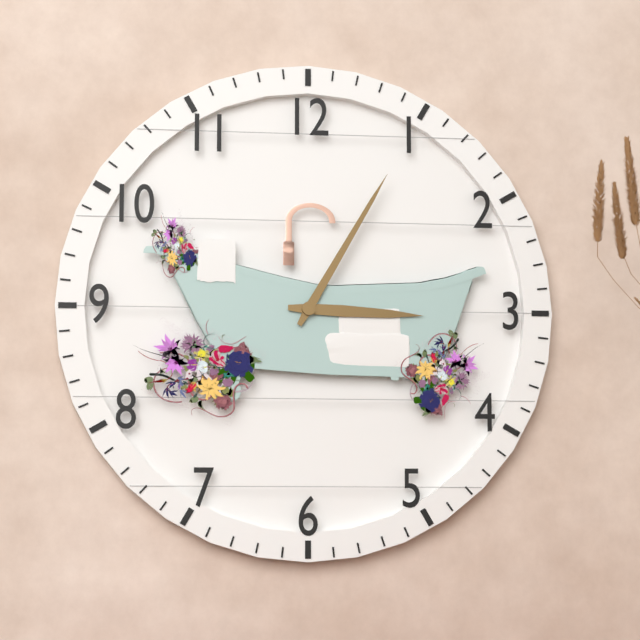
3:05
